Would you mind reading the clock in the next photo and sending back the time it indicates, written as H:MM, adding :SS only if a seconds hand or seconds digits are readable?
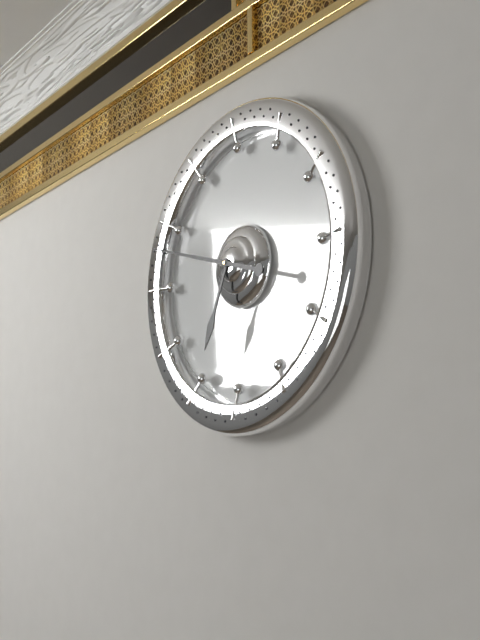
6:48
